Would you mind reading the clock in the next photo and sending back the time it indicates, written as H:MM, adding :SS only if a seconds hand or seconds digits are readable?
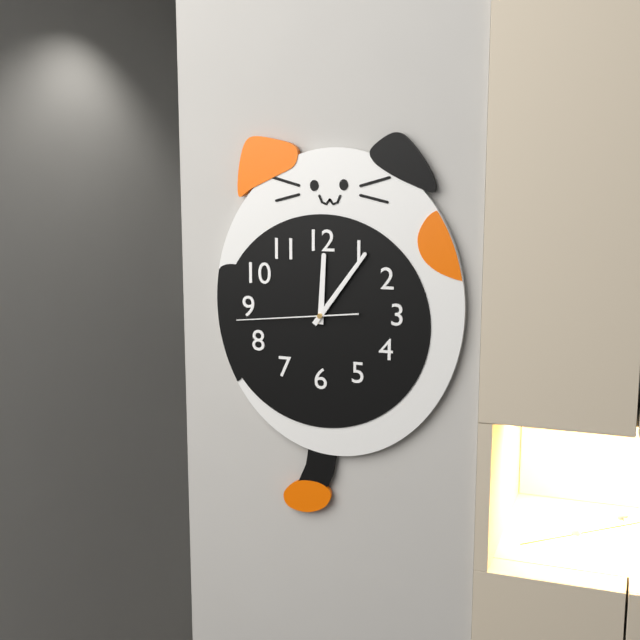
12:06:44
